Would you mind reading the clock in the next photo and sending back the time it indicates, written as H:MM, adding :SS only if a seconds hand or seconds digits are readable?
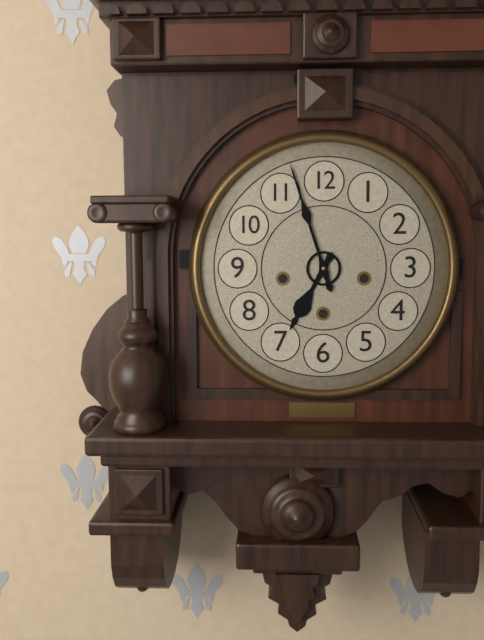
6:57
